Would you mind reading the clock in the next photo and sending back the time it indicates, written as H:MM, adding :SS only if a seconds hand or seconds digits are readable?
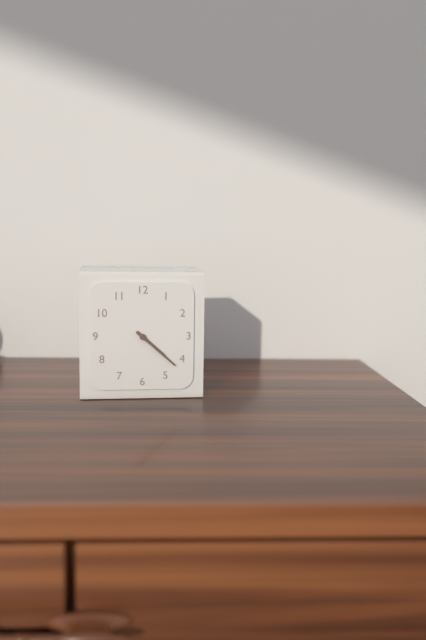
4:22
